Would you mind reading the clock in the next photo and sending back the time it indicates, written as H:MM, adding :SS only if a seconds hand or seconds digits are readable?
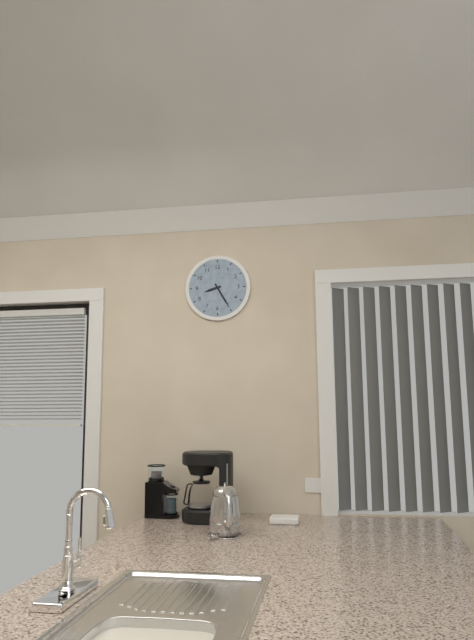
8:25
